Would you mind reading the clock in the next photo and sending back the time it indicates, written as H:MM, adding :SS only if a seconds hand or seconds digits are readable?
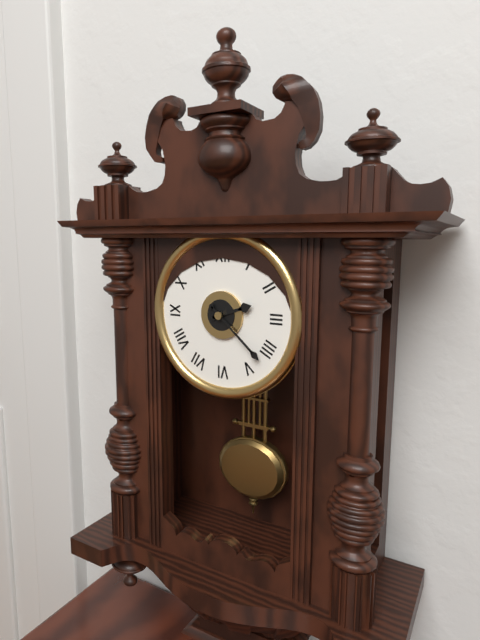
2:22
